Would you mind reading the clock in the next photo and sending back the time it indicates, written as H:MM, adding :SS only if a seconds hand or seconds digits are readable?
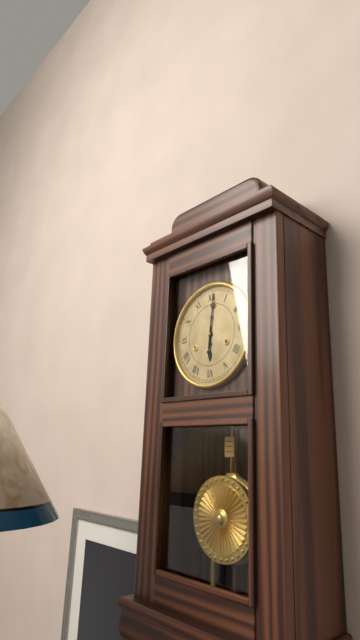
6:01
